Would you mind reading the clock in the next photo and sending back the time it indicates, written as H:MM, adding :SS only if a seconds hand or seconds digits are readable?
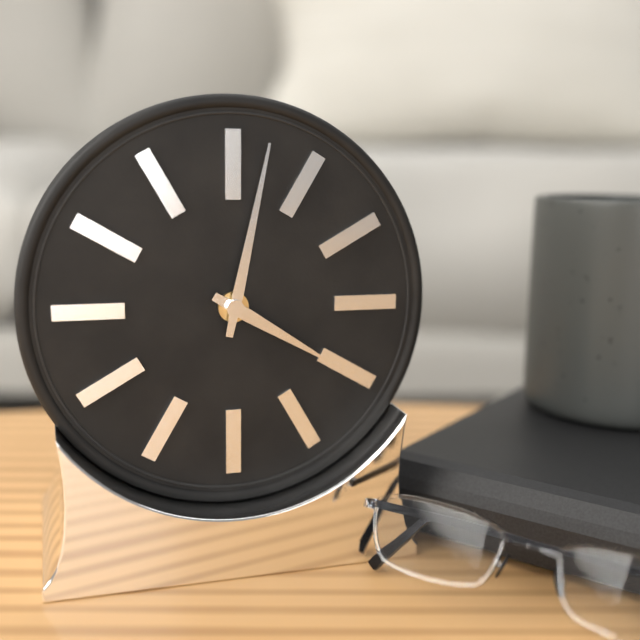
4:02
